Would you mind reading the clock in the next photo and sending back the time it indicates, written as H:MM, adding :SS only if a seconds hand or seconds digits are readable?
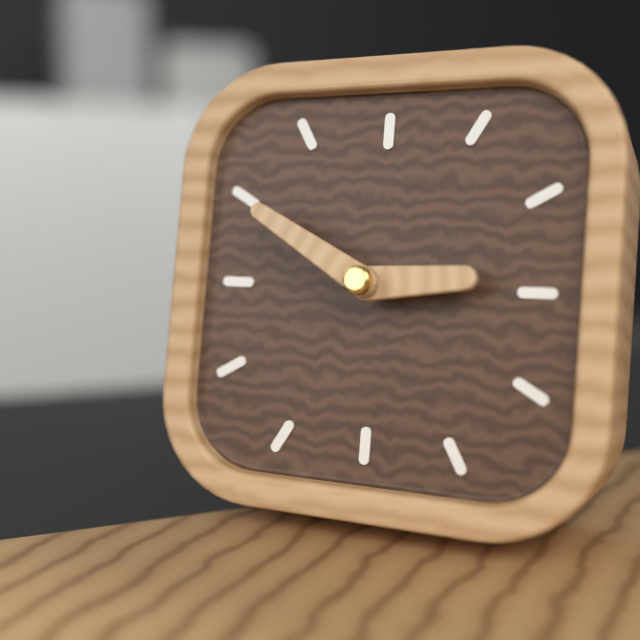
2:50
